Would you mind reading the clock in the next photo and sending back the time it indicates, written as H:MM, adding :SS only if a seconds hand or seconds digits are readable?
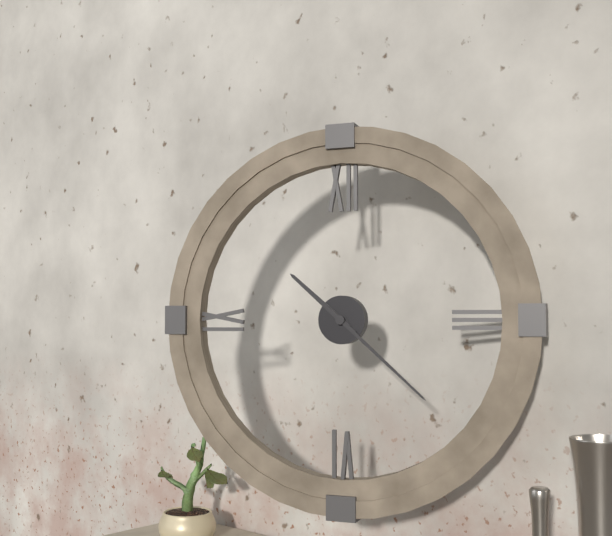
10:22
